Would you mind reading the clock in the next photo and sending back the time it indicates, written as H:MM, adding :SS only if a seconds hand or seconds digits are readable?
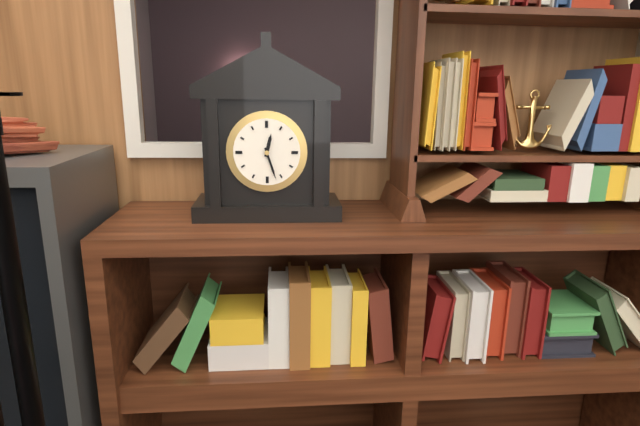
12:27
